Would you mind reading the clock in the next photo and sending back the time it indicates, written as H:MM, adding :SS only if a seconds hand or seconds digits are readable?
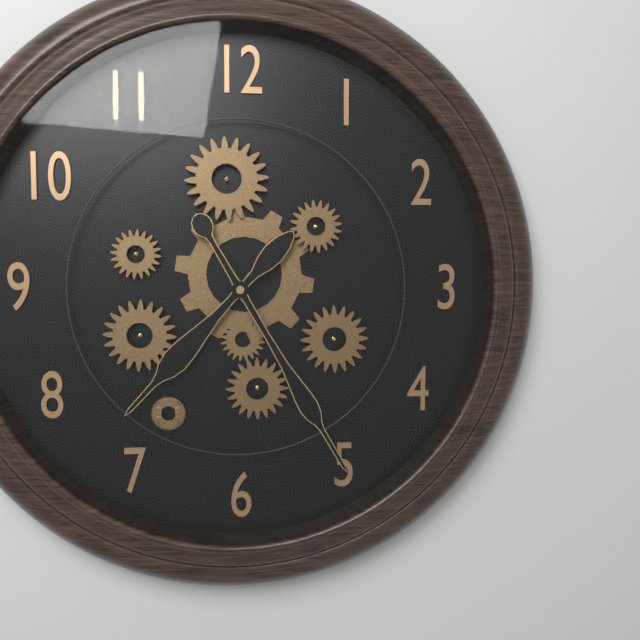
7:25
